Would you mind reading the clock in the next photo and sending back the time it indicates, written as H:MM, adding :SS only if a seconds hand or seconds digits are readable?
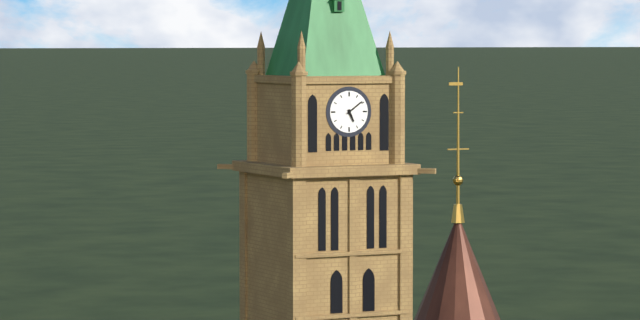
5:09
